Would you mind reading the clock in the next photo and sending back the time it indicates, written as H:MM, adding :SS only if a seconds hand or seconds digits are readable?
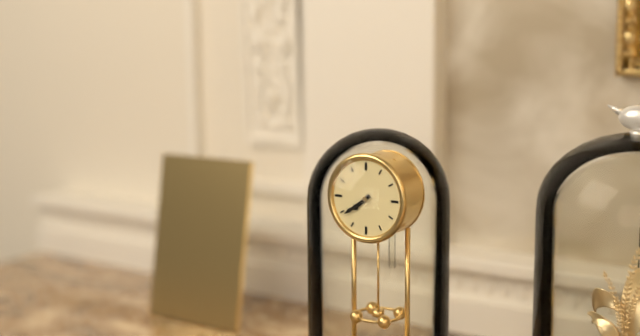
7:39
